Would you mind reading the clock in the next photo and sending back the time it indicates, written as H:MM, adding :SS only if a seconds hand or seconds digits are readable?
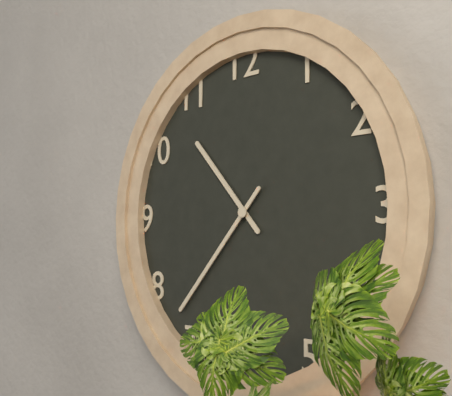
10:37
